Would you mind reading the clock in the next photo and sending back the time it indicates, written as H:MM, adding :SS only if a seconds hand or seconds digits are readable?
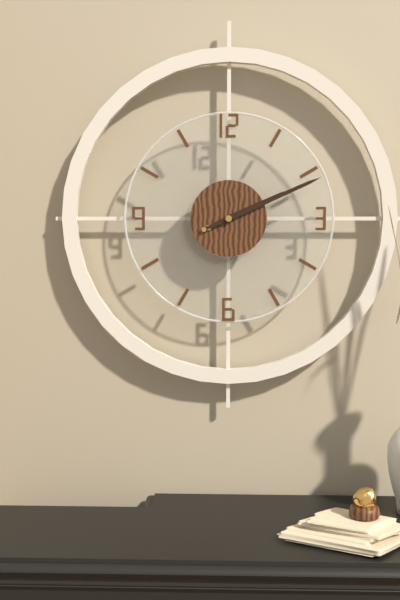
2:11
